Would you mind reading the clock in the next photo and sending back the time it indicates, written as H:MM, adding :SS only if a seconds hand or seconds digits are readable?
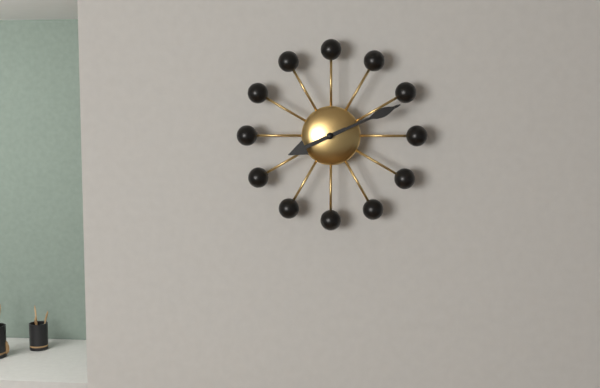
8:11
